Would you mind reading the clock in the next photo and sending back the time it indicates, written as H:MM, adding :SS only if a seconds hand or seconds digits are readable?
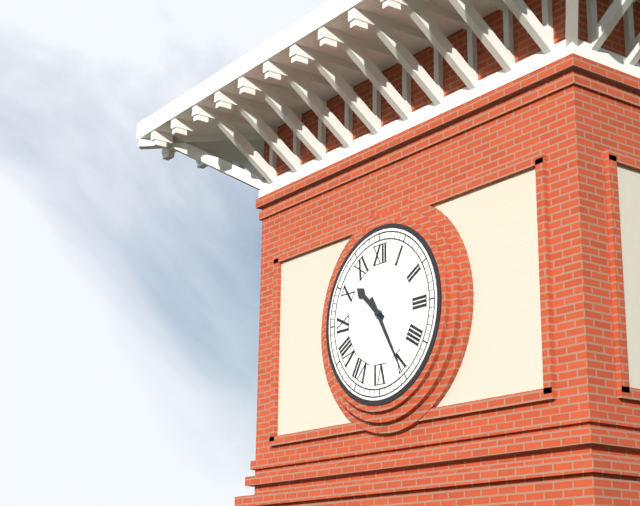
10:25
